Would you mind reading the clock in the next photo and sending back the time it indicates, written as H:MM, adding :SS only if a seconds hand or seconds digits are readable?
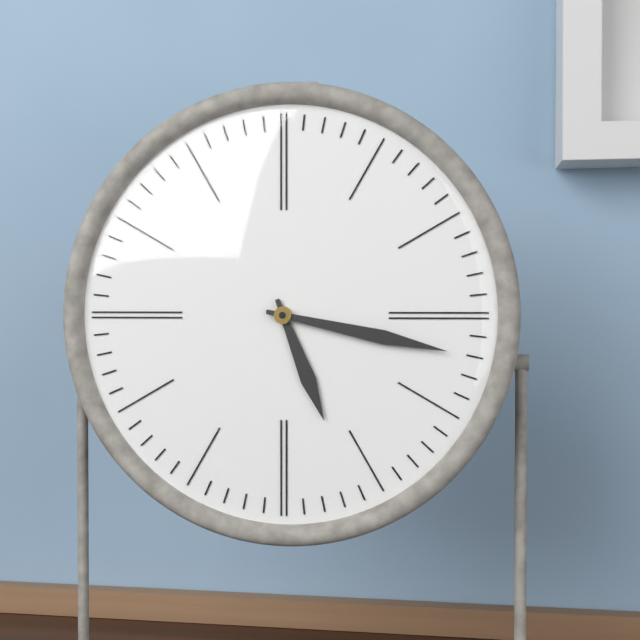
5:17
